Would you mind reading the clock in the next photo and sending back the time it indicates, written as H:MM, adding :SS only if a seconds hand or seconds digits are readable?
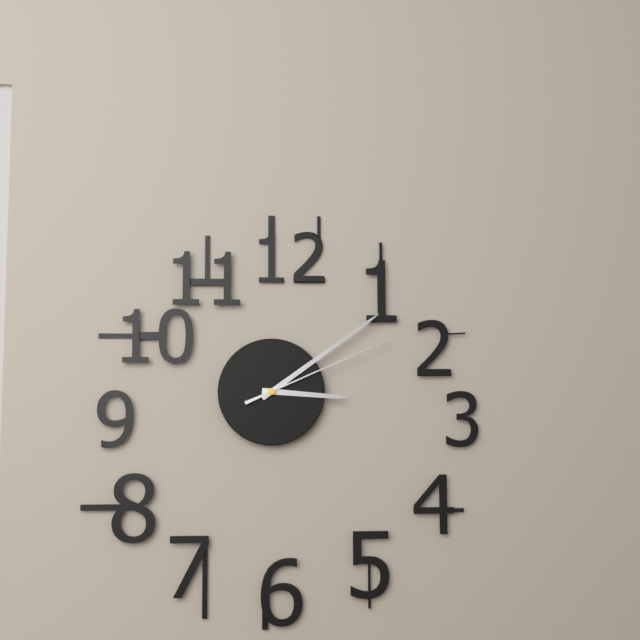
3:09:11
